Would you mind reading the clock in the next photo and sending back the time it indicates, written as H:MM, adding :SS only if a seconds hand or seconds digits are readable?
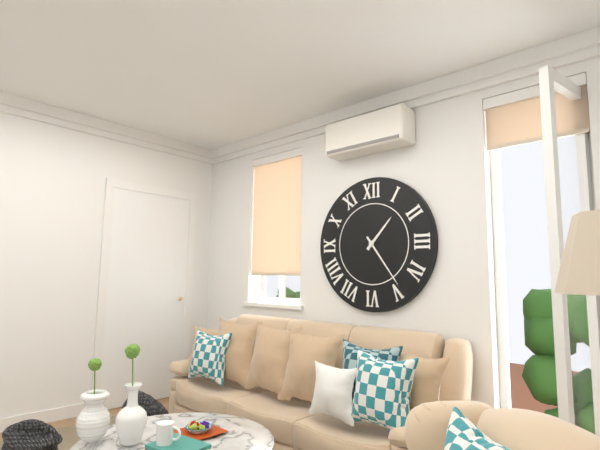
1:24
